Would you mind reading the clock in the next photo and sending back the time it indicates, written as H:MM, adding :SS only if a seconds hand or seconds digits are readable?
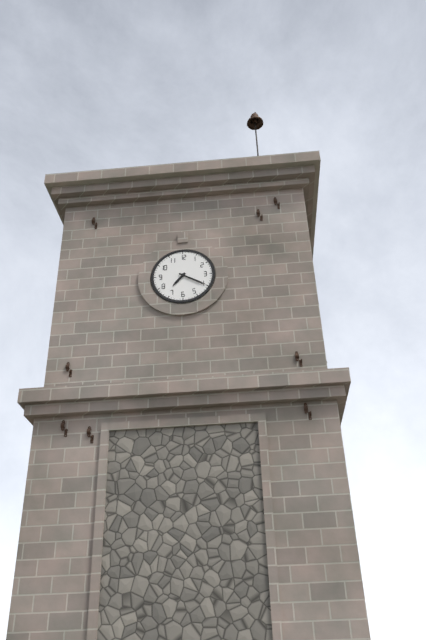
7:20
